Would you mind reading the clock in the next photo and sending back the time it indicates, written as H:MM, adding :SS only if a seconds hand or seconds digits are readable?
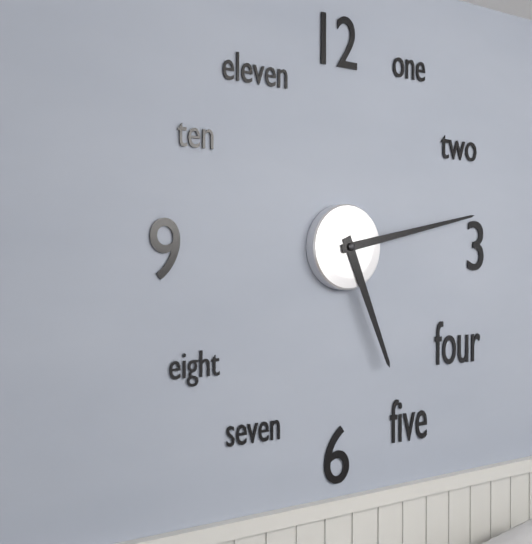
5:13
